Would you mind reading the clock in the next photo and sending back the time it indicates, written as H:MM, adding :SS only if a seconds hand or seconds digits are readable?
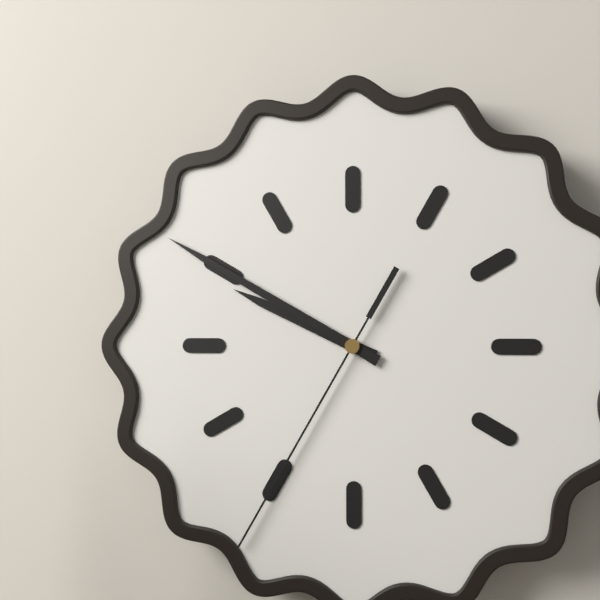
9:50:35
